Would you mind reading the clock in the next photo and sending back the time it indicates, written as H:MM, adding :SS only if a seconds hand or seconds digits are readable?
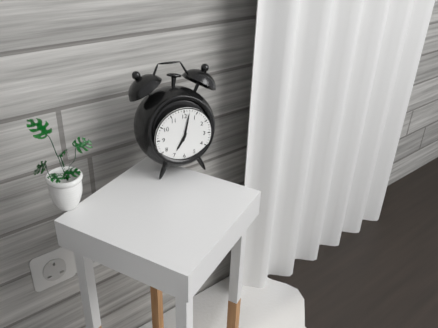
7:02
